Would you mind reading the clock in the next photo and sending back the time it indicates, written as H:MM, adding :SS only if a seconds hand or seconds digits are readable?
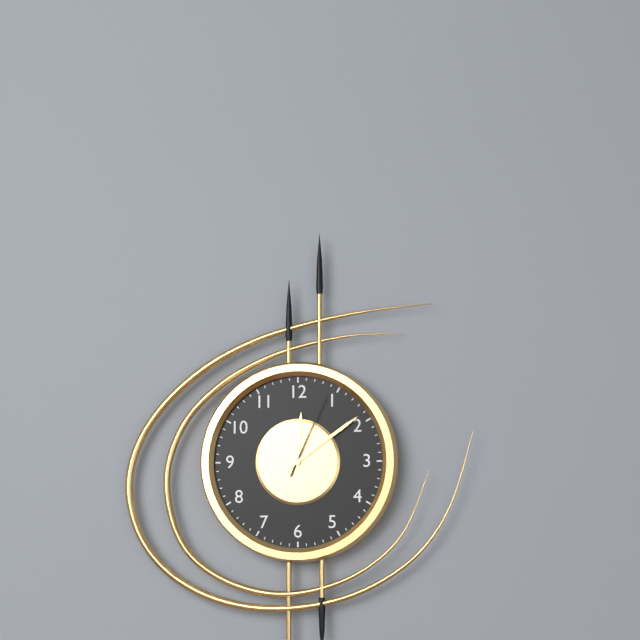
12:09:04
